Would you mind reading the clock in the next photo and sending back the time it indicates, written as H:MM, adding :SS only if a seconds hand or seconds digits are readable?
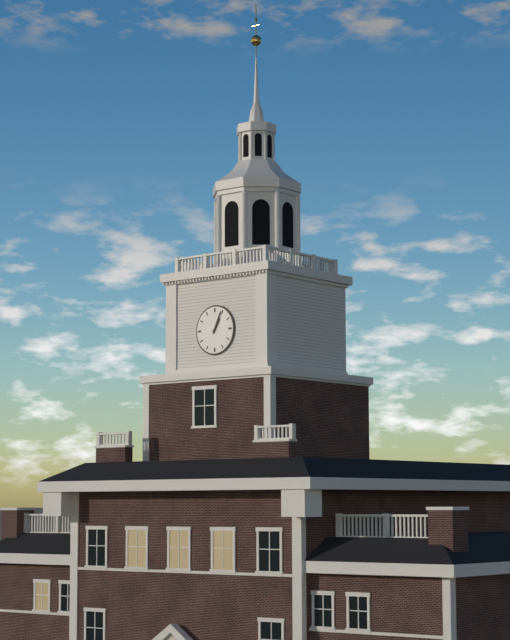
1:04
